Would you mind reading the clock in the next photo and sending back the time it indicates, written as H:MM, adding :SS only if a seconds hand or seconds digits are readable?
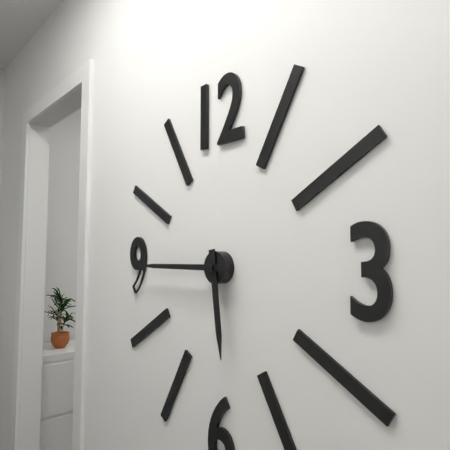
5:45
